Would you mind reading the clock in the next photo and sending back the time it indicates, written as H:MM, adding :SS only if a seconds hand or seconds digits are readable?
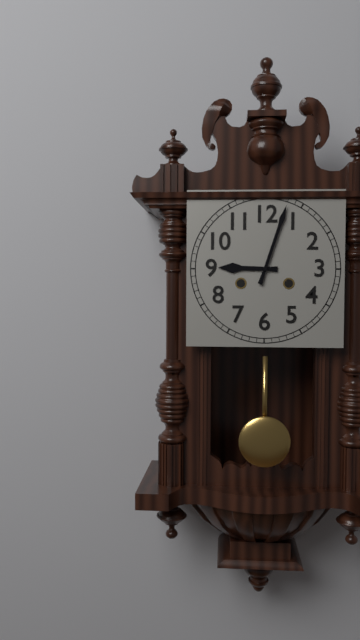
9:03
